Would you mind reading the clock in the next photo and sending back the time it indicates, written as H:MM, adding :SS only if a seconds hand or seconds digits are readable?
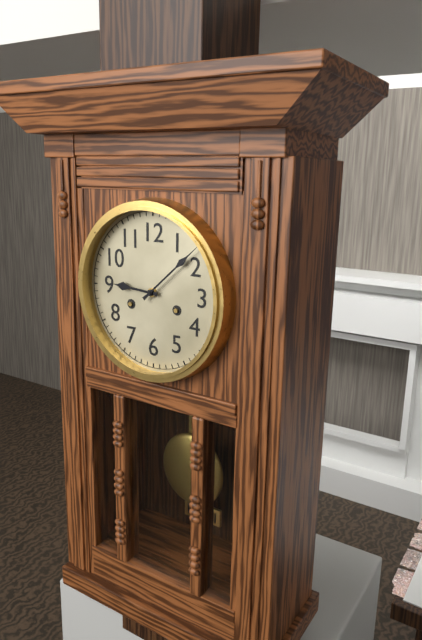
9:08
